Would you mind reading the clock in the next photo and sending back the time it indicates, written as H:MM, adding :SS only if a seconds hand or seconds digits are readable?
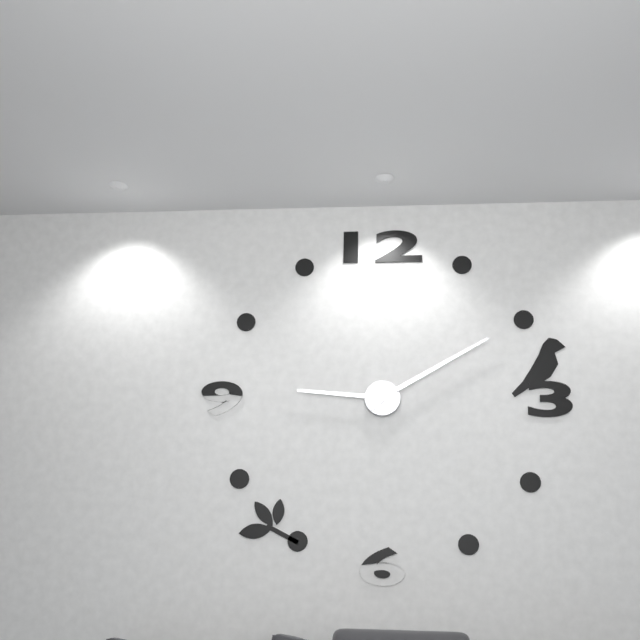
9:10
